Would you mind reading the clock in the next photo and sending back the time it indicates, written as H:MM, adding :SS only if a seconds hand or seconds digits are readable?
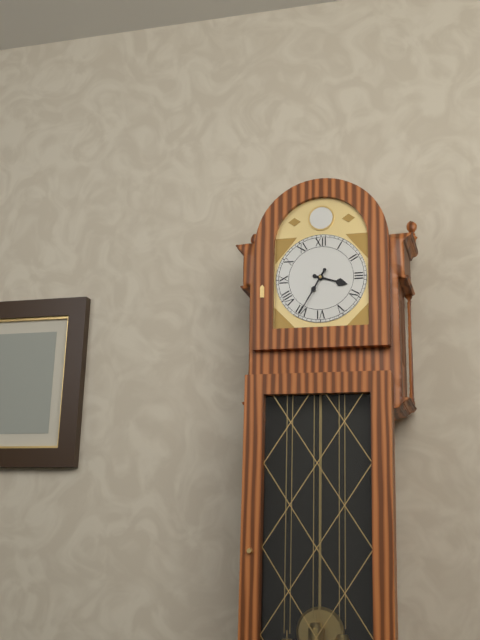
3:35
